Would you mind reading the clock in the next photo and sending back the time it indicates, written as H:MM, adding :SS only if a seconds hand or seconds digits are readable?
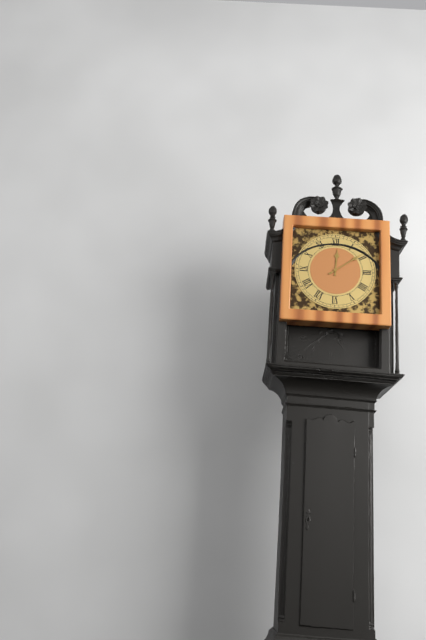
12:09
